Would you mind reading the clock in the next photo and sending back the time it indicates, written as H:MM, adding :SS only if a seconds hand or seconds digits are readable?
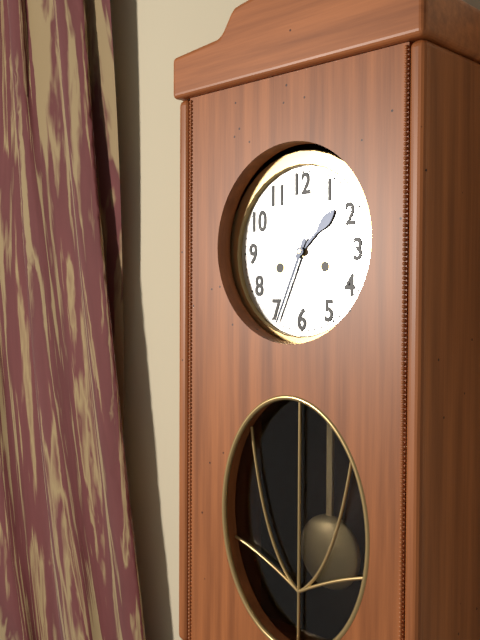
1:34
